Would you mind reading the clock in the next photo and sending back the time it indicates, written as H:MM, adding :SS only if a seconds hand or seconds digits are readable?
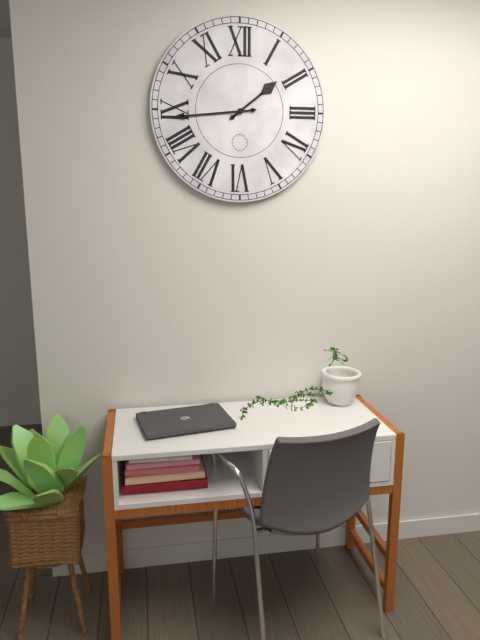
1:44
